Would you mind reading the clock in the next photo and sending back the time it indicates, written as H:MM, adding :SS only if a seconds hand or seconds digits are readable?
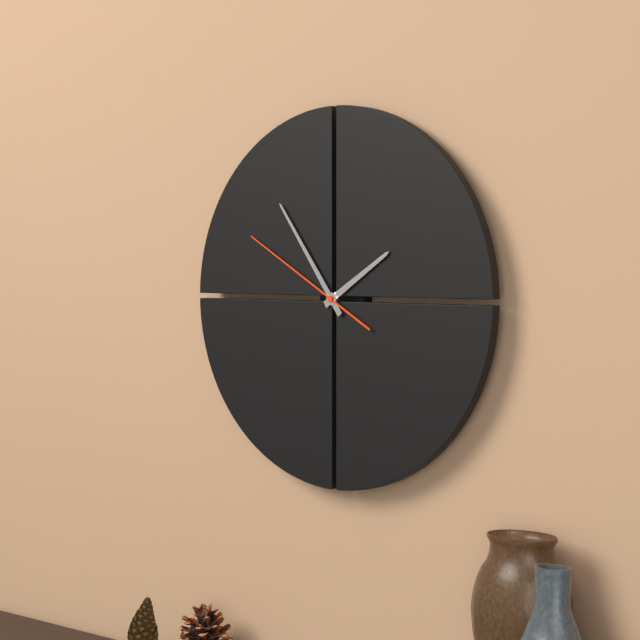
1:54:50
